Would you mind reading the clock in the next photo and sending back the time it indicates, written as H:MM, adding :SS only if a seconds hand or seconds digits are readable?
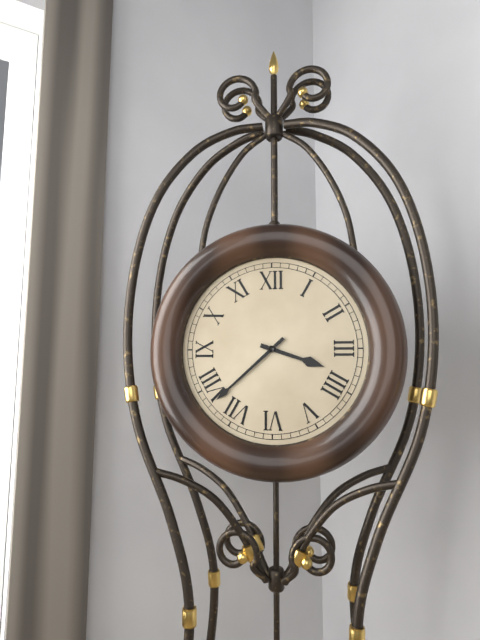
3:38
